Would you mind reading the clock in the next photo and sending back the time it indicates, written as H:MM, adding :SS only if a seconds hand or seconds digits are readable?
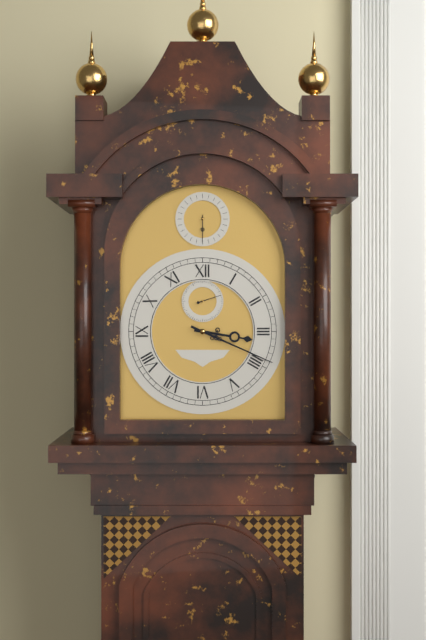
3:19
